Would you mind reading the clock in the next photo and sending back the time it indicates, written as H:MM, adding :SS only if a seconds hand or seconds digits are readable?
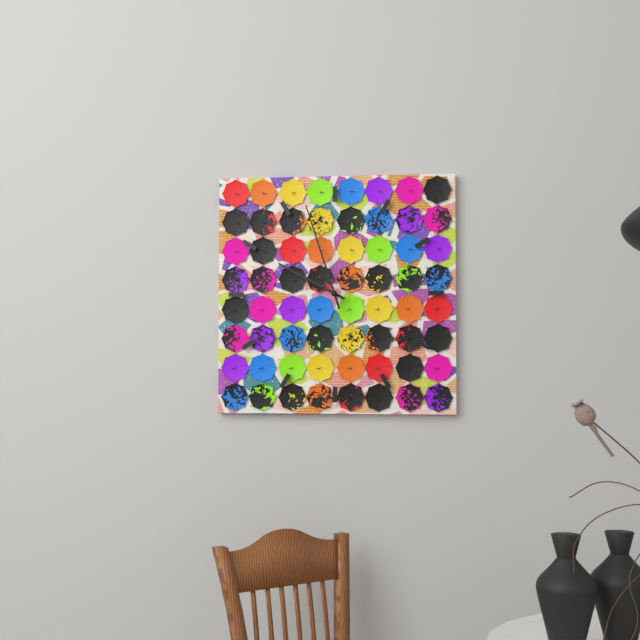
9:57
